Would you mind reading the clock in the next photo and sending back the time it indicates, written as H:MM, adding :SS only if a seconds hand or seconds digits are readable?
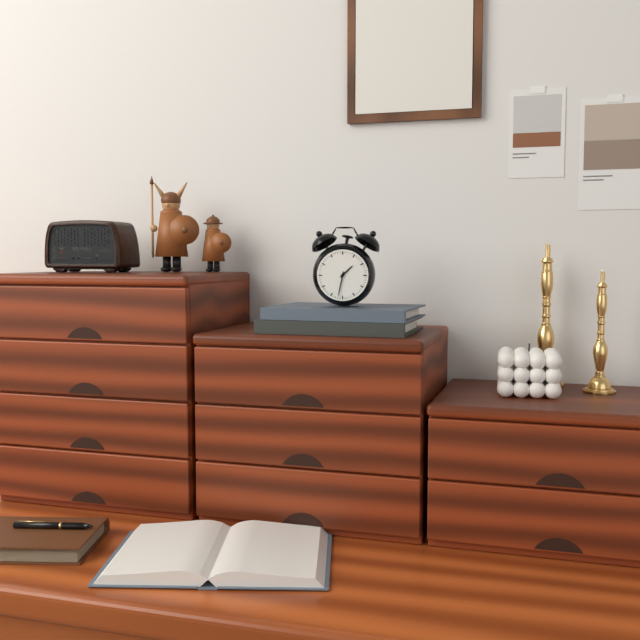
1:32
